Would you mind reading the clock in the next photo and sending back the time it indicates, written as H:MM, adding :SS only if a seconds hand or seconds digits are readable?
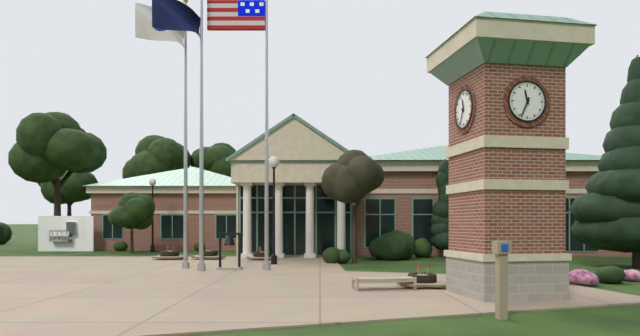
11:34
